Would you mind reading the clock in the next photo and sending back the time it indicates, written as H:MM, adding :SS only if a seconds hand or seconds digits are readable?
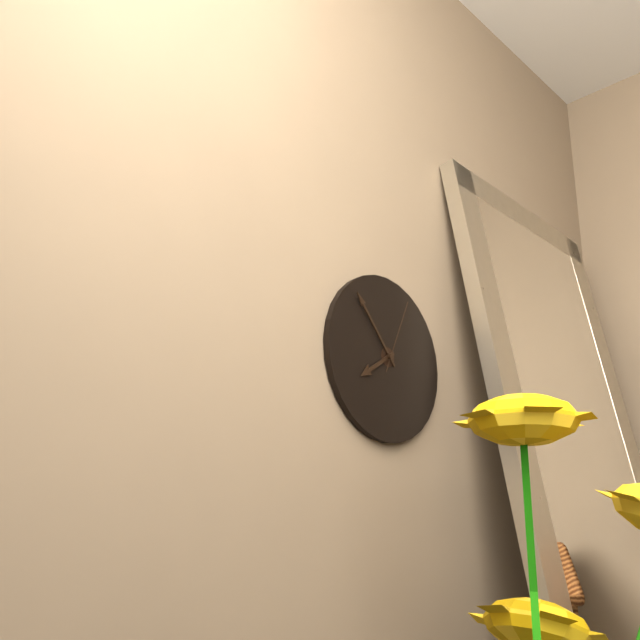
7:53:04
